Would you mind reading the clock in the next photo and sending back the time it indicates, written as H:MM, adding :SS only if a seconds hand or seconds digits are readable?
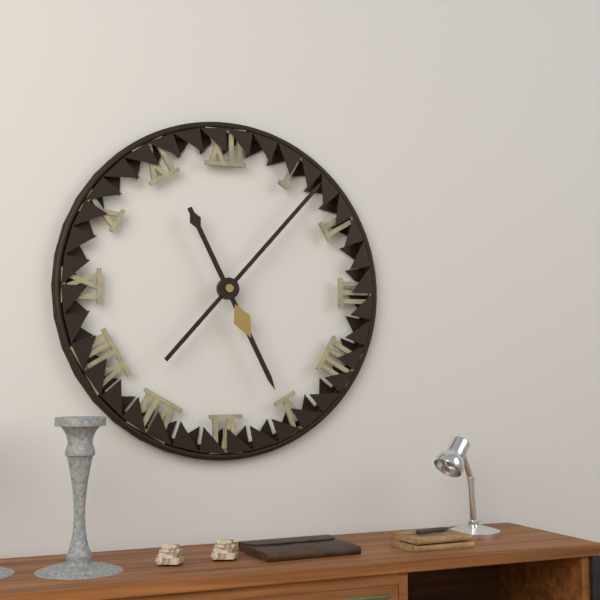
5:07
